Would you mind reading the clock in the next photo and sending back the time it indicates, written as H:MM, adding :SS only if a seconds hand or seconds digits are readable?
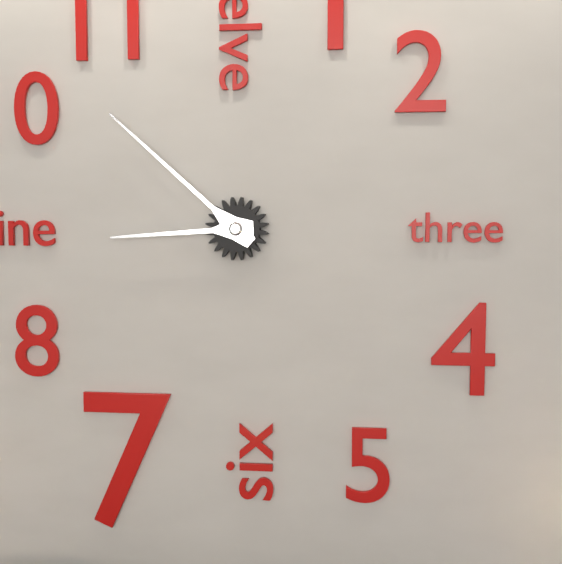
8:52
